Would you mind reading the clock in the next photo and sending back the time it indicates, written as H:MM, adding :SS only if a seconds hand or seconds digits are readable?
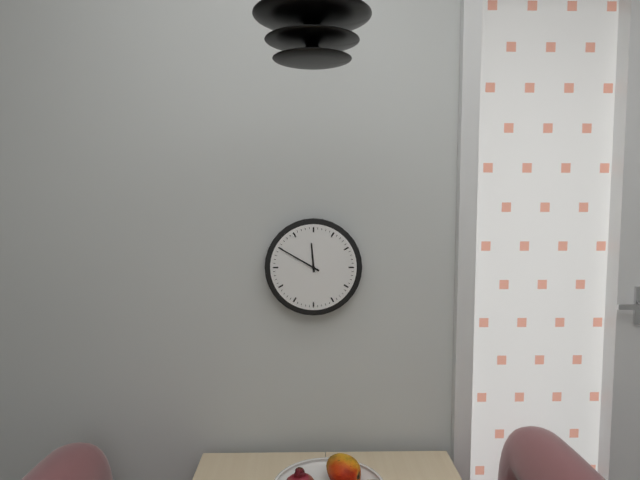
11:50
